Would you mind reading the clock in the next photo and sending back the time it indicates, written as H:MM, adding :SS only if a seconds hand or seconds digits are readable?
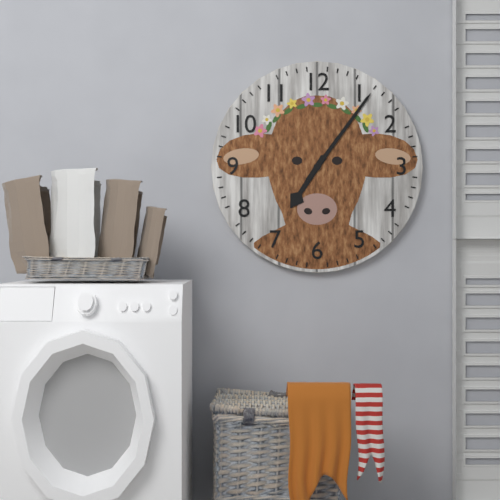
7:06
